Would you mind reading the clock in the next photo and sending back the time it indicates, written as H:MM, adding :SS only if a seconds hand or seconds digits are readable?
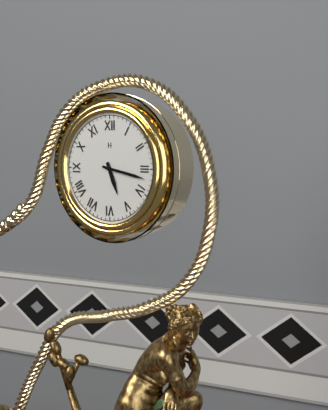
5:17
